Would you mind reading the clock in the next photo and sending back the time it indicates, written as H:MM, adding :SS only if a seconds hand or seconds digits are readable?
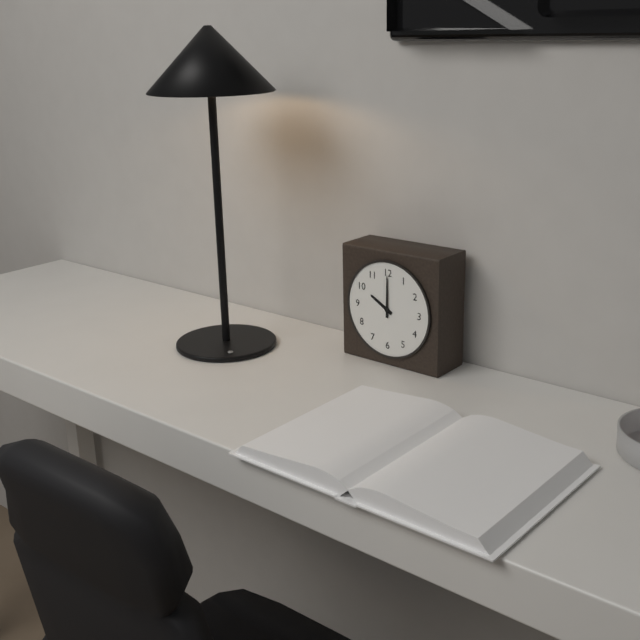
10:00
